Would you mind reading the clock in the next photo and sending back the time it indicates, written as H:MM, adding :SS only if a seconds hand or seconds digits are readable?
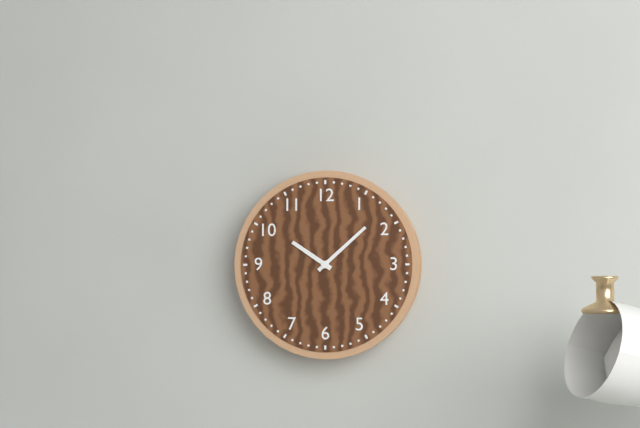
10:08
